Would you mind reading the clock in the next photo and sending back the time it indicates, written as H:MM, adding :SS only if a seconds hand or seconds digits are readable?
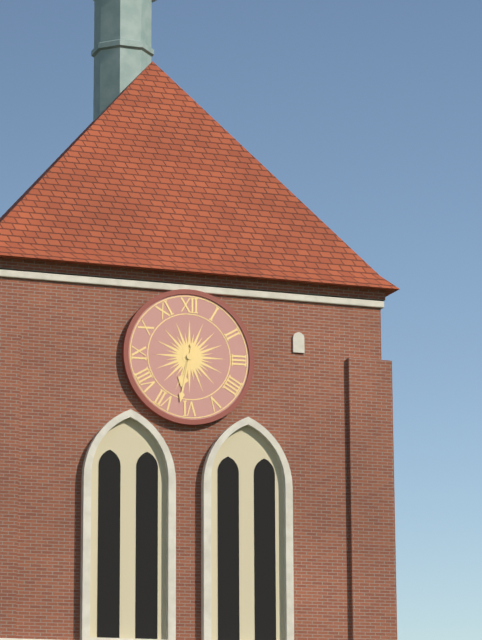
6:32
